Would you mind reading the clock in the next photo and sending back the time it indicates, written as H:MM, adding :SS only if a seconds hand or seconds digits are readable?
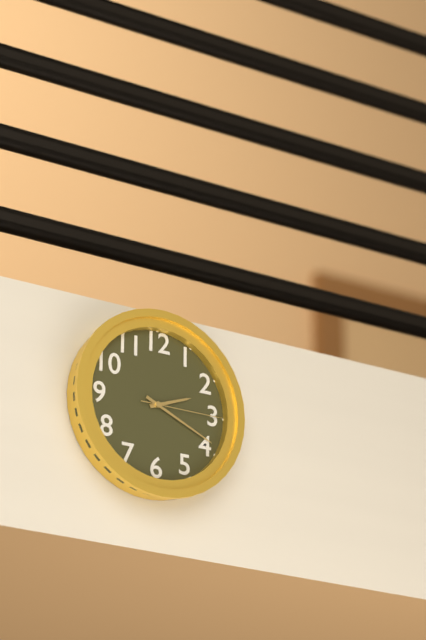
2:19:15
